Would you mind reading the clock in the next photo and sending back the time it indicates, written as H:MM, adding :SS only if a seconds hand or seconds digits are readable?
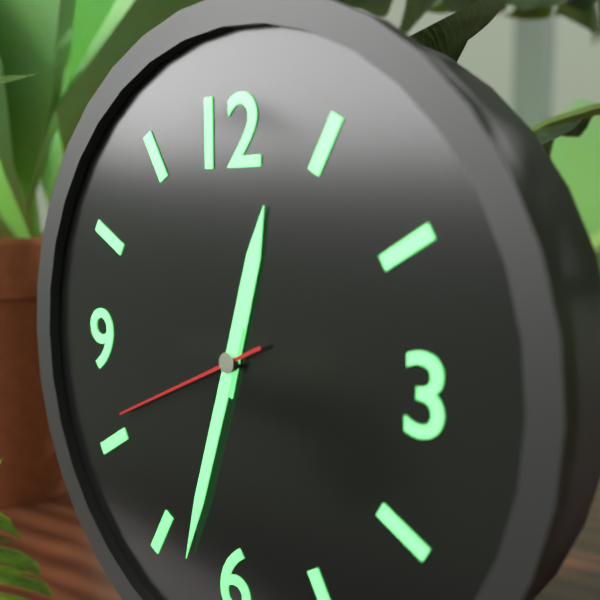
12:33:41
